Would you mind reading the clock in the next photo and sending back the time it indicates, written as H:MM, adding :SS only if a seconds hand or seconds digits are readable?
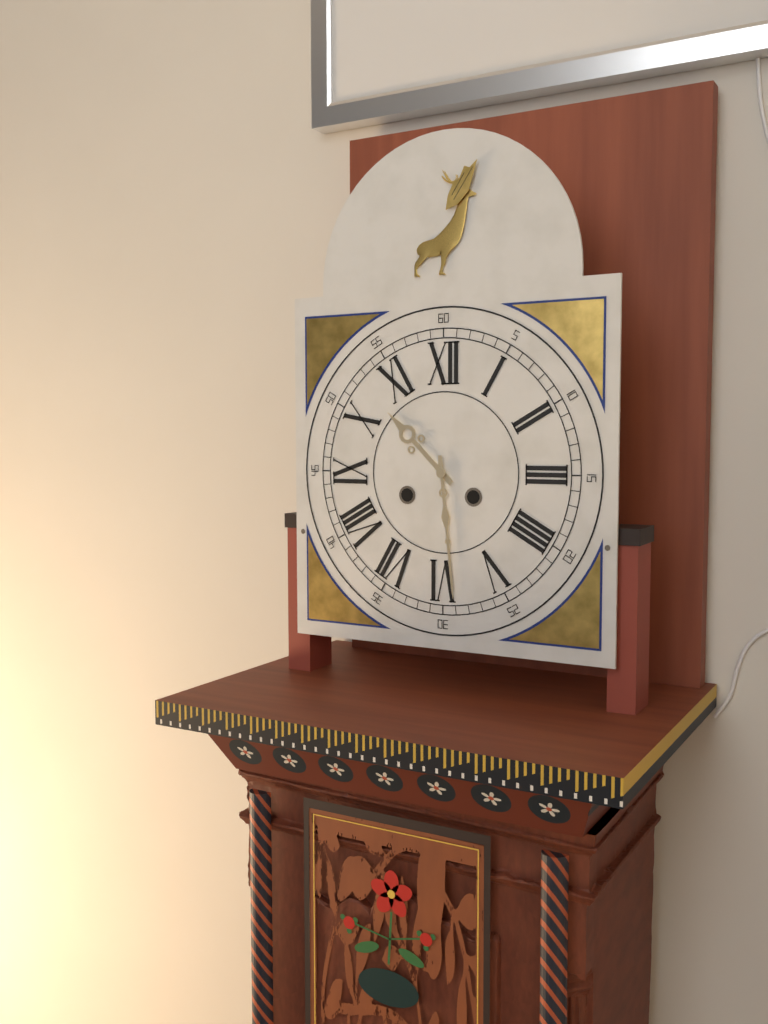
10:29
